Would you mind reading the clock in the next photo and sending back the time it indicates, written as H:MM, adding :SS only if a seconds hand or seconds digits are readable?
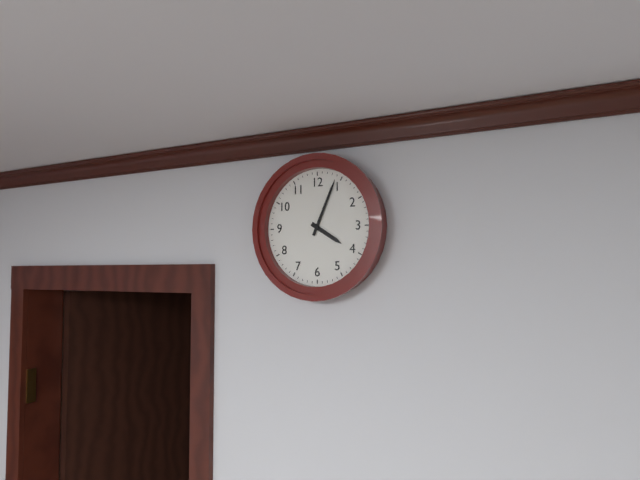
4:04
